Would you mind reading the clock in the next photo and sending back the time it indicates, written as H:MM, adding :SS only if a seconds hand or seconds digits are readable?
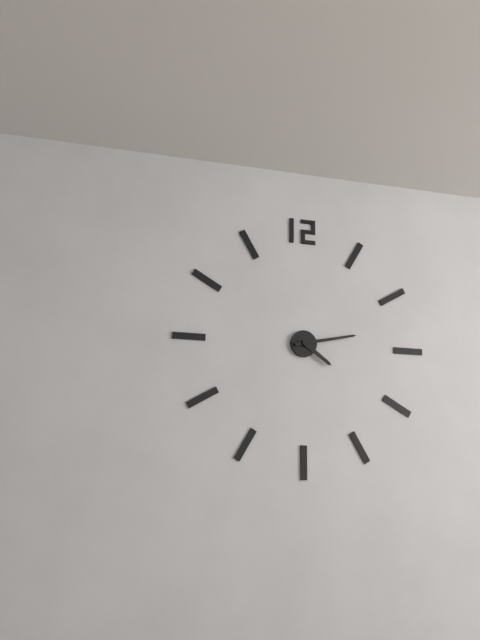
4:13
